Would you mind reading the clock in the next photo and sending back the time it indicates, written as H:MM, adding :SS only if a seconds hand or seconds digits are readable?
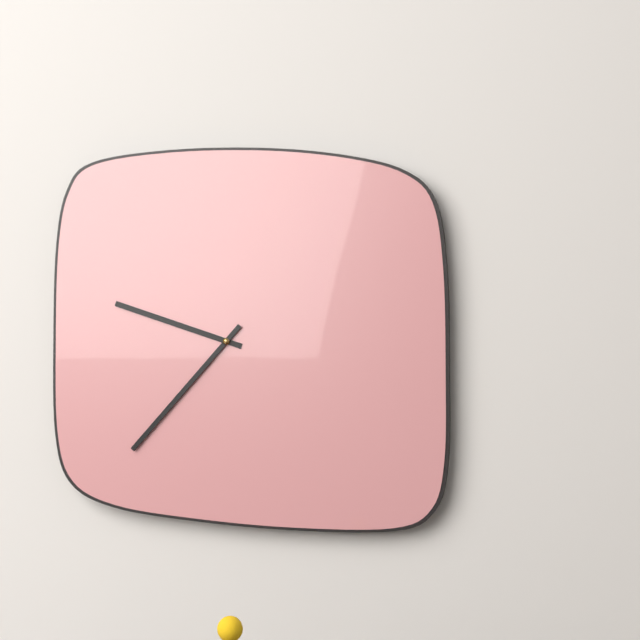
9:37
